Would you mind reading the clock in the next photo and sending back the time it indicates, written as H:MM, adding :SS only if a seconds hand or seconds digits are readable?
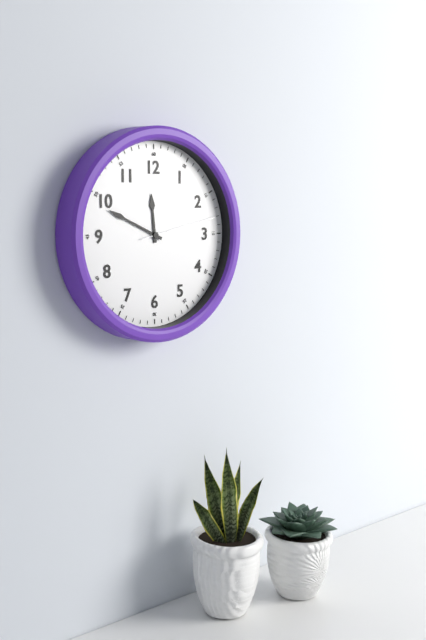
11:49:13
